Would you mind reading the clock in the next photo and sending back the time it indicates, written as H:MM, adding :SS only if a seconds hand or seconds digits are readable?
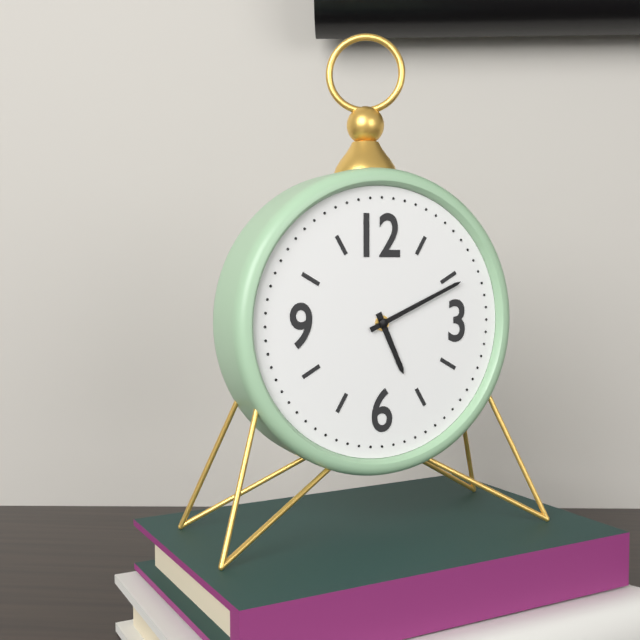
5:11
